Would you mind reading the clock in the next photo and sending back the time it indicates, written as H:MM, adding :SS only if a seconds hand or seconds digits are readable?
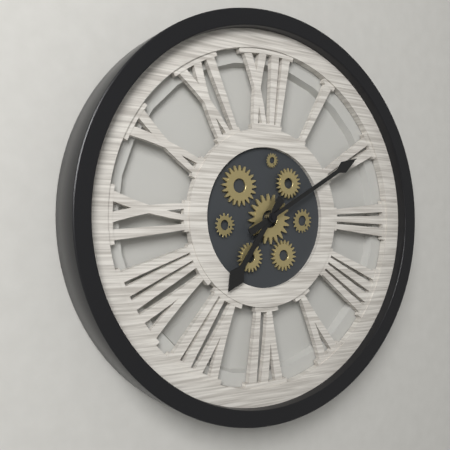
7:10
